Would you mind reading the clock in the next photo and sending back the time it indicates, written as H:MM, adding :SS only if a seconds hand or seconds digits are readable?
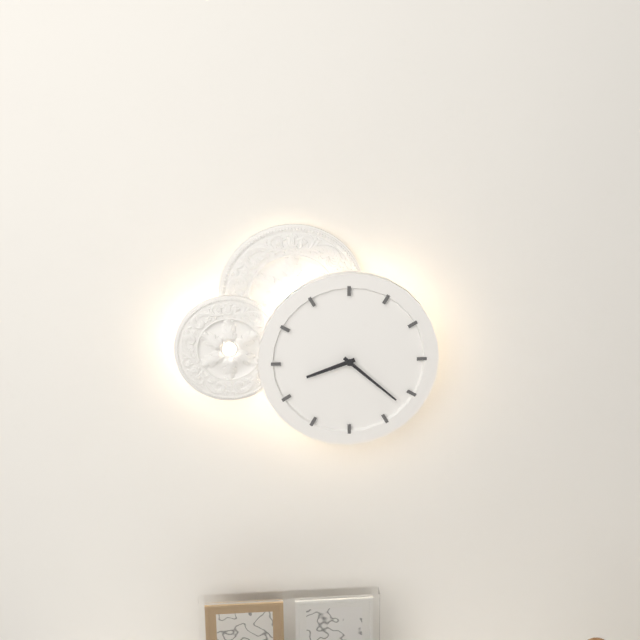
8:22
